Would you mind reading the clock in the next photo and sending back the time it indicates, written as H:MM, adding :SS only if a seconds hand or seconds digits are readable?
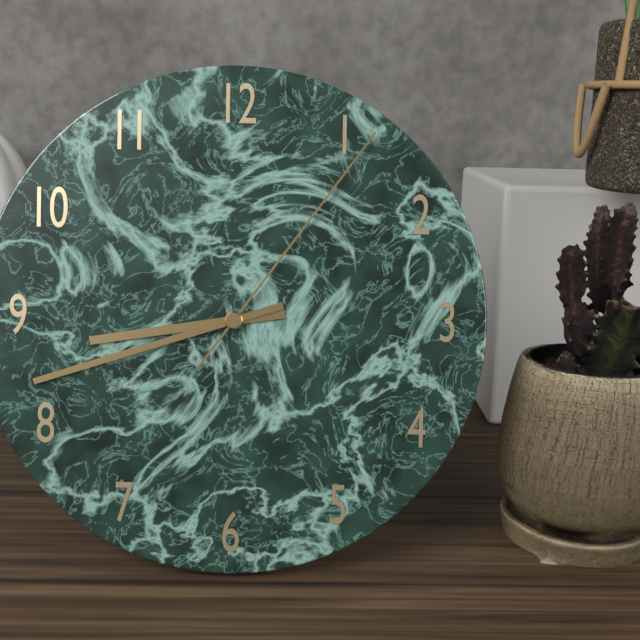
8:42:06
